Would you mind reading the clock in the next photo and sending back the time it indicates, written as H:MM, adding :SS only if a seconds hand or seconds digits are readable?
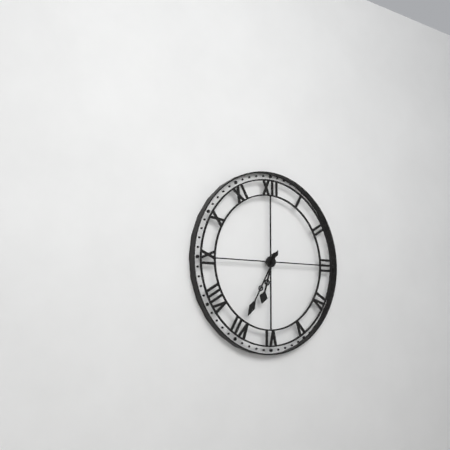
6:35
